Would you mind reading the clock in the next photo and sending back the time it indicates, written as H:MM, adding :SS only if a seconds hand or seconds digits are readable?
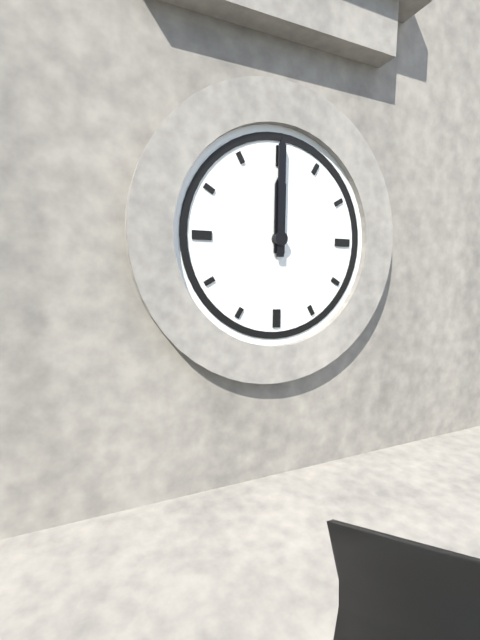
12:00
